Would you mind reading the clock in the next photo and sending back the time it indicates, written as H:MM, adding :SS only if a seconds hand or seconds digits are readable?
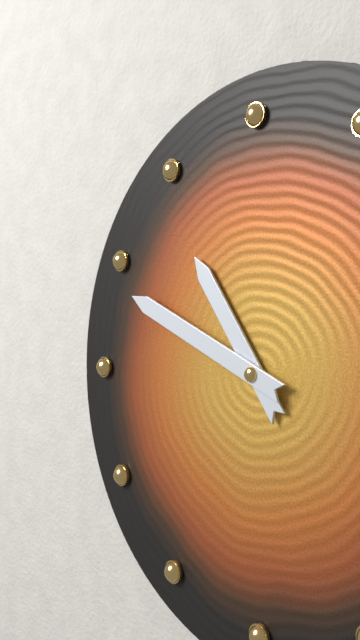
10:49
